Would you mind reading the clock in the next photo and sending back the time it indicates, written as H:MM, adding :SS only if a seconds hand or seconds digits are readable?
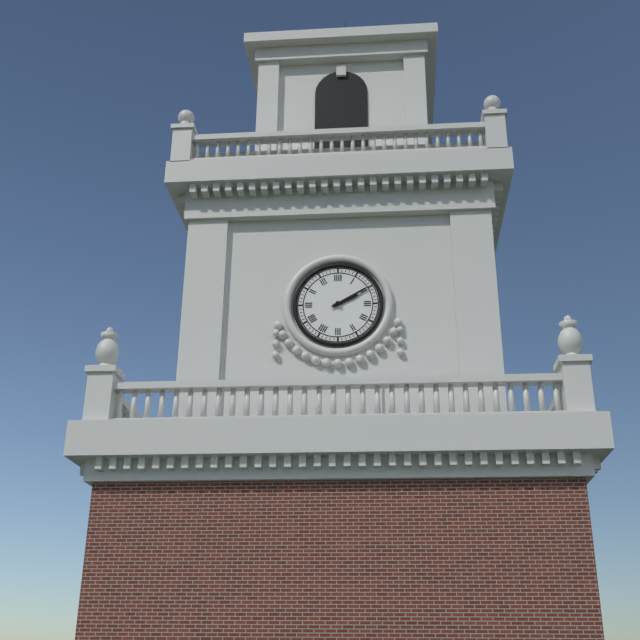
2:10
